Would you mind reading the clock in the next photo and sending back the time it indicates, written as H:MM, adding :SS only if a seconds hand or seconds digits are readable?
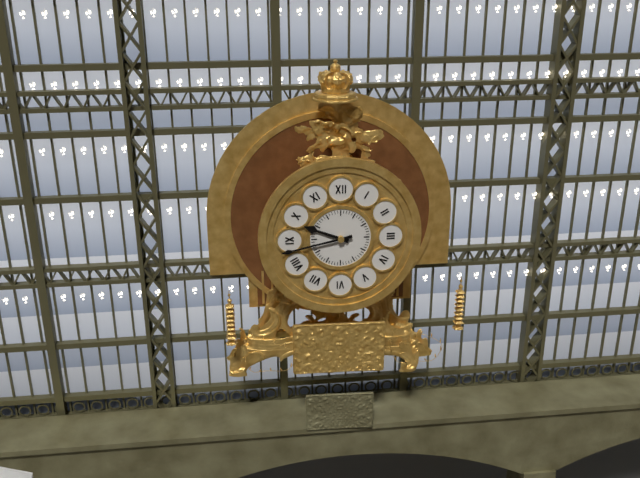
9:43
